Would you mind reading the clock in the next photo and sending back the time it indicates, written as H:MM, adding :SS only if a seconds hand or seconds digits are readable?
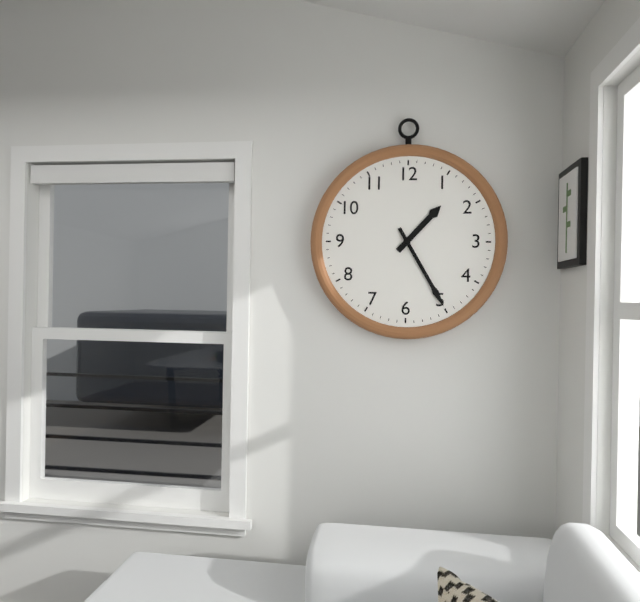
1:25
